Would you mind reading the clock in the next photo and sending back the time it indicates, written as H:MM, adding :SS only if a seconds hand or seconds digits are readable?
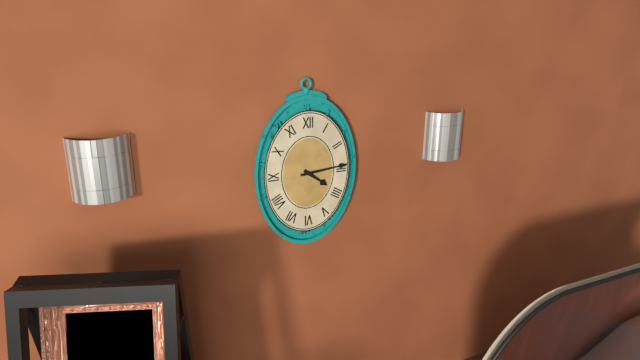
4:14
